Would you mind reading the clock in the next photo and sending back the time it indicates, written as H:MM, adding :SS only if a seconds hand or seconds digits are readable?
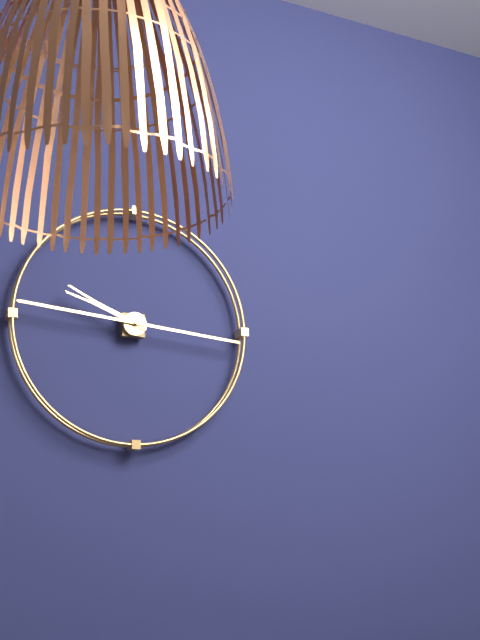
9:46
